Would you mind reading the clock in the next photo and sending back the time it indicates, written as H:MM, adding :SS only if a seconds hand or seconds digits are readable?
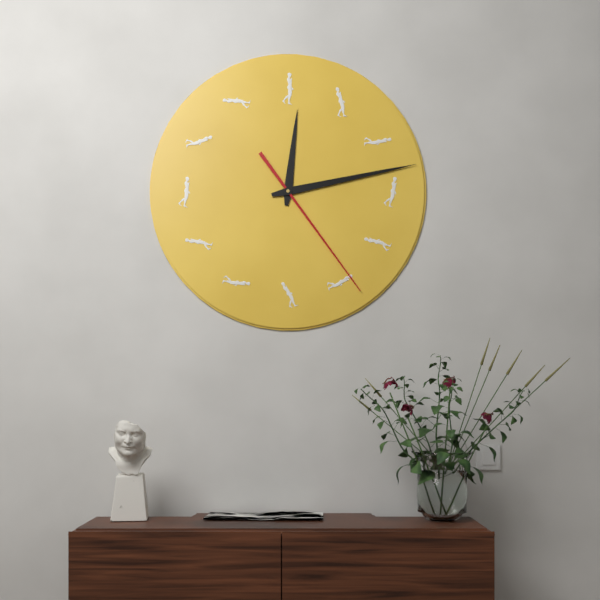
12:13:24
